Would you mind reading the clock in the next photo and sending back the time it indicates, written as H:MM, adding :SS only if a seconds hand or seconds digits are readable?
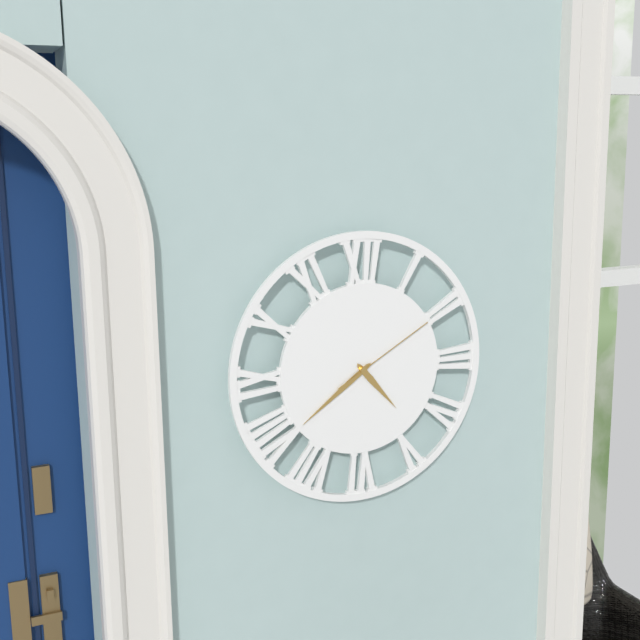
4:39:10
